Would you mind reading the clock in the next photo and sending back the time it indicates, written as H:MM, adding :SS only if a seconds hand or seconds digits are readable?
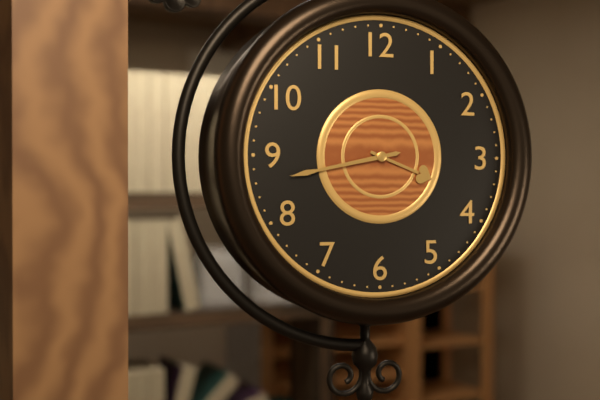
3:43
